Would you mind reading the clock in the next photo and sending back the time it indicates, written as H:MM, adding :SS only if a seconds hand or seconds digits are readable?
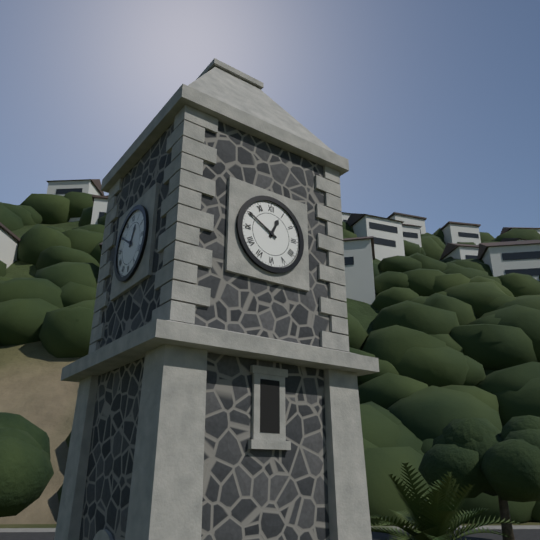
12:50
